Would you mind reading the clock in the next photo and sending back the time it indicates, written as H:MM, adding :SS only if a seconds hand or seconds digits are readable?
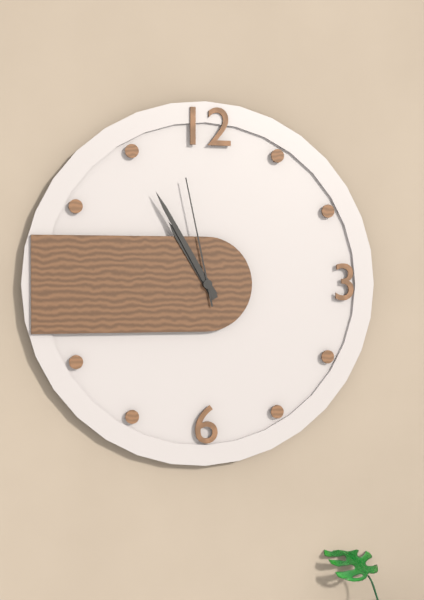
10:55:58
